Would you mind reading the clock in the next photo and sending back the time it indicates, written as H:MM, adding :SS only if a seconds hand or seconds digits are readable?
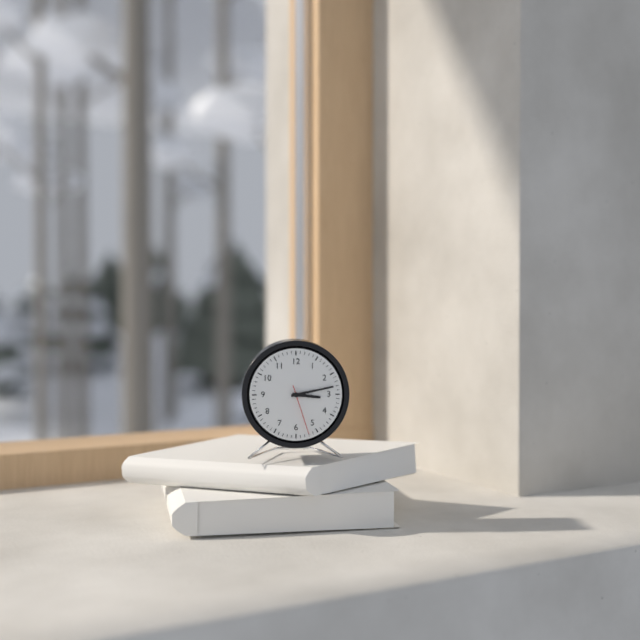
3:13:27
